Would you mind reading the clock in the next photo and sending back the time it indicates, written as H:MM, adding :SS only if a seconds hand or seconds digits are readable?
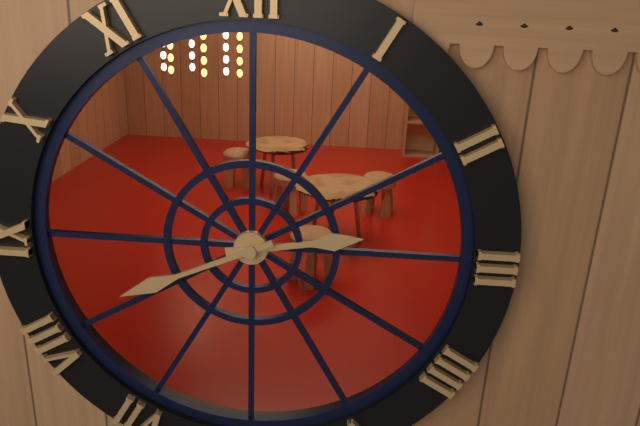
2:41
